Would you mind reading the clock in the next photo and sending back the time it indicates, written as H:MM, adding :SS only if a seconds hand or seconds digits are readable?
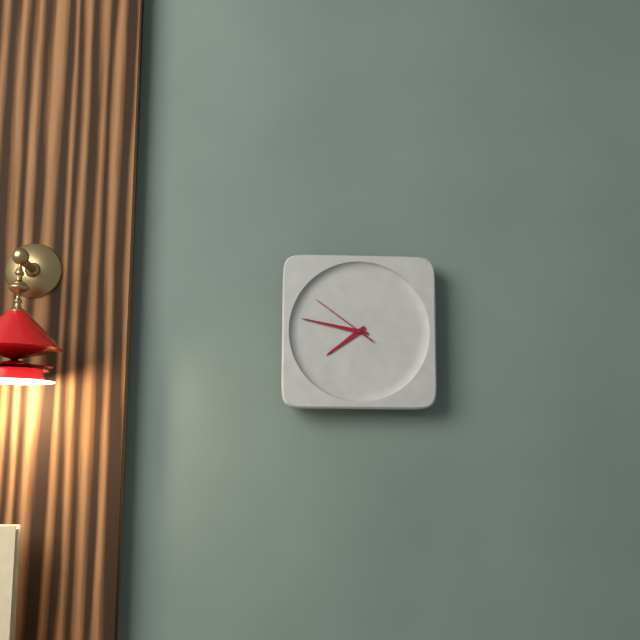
7:47:51
